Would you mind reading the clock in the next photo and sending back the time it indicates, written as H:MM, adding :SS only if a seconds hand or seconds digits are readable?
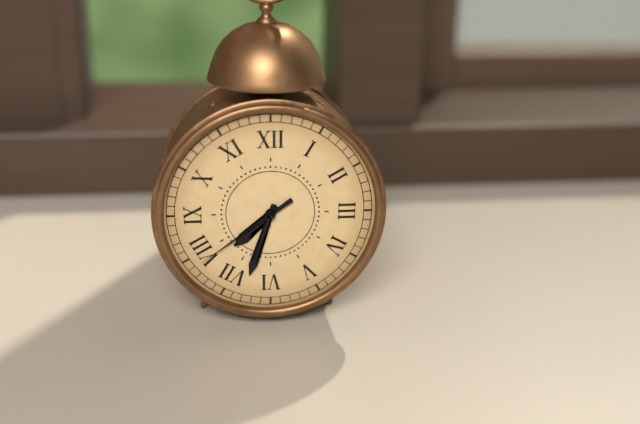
7:33:39
